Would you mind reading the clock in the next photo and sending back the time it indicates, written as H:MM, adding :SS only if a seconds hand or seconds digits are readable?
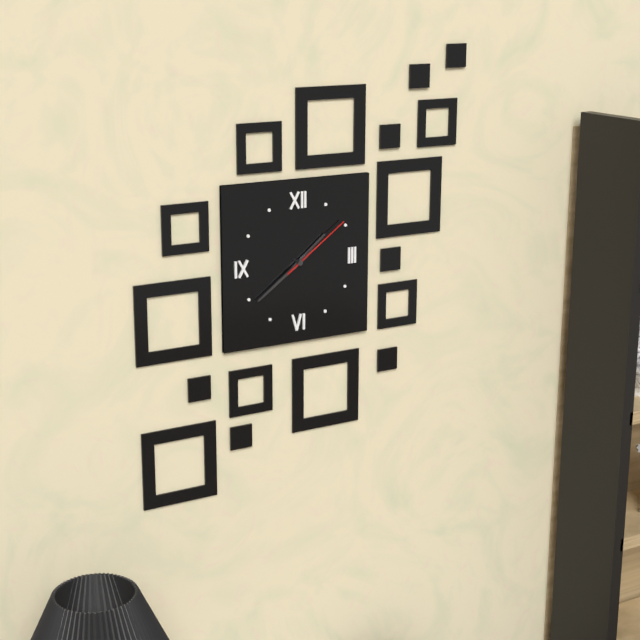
1:39:09
